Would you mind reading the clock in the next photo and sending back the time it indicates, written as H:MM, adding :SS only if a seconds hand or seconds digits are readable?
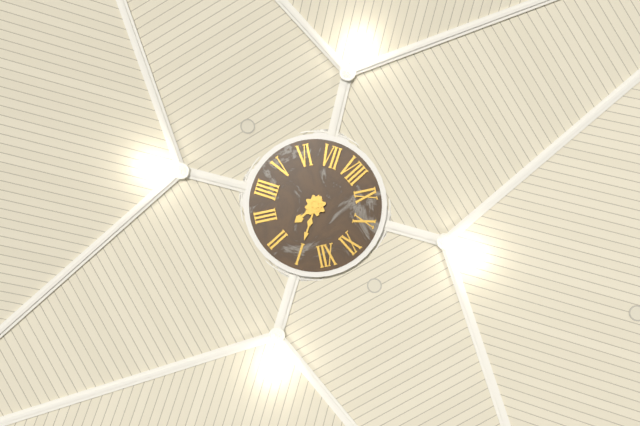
2:05
